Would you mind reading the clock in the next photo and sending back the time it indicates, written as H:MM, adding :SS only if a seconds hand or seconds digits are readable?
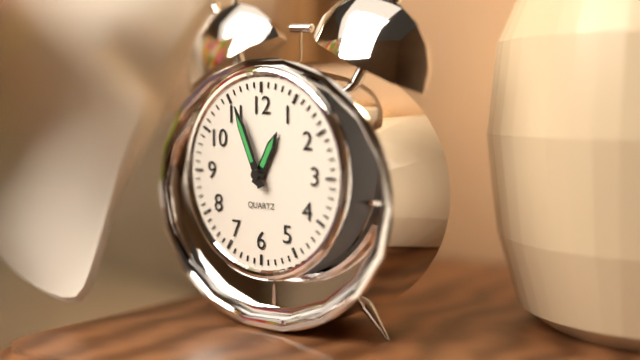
12:56
